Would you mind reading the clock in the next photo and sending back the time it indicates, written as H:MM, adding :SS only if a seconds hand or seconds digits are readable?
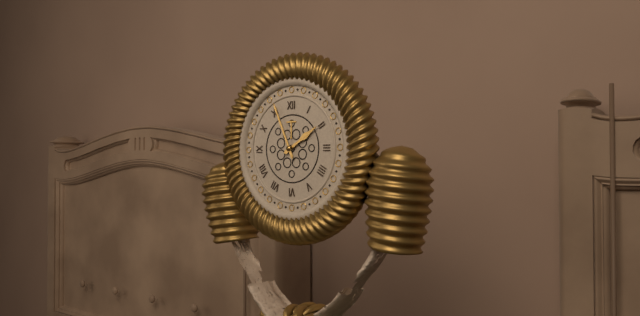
1:56
